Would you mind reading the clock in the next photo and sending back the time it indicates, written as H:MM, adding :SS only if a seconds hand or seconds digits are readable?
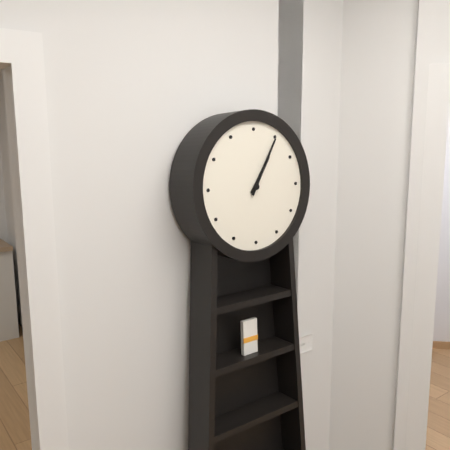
1:05
